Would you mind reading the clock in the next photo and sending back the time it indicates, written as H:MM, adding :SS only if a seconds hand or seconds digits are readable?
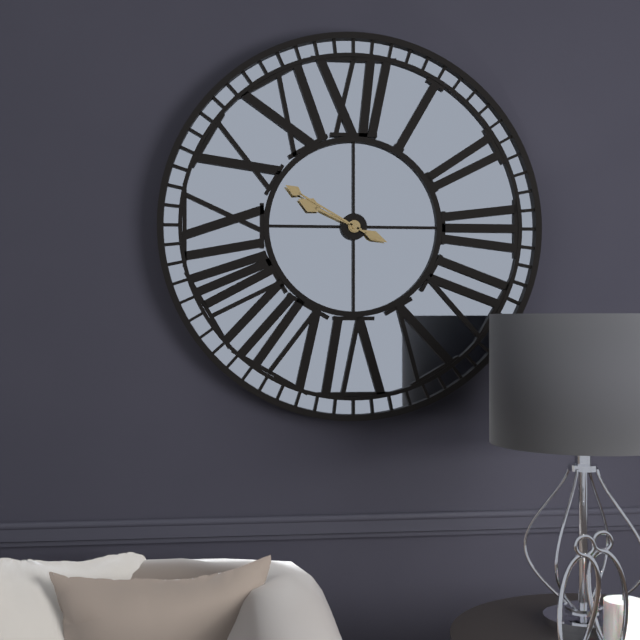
9:50
